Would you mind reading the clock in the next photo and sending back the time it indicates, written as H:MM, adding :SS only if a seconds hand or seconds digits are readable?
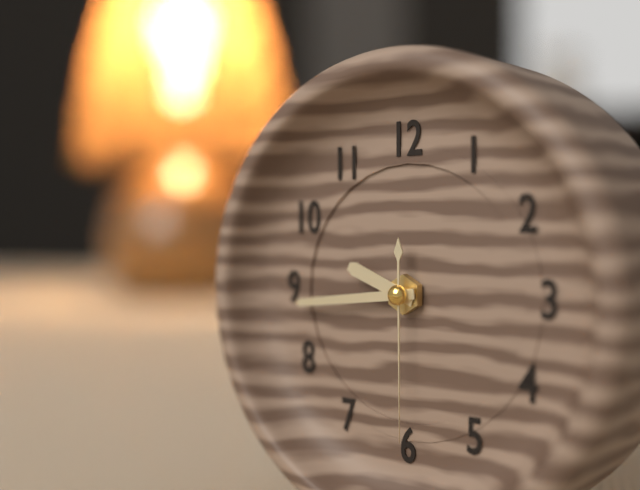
9:44:30
